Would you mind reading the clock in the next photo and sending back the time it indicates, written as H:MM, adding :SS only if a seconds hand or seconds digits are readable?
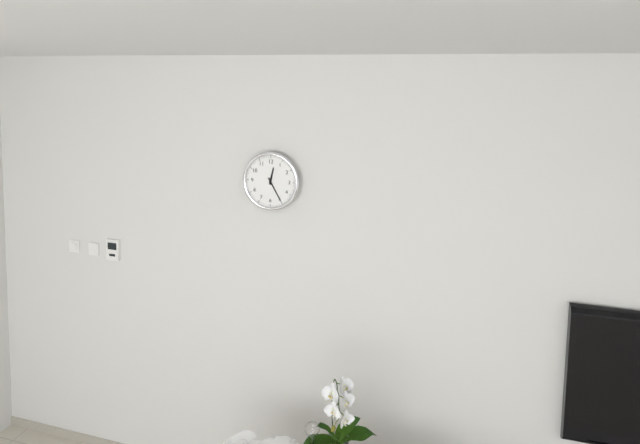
12:25
